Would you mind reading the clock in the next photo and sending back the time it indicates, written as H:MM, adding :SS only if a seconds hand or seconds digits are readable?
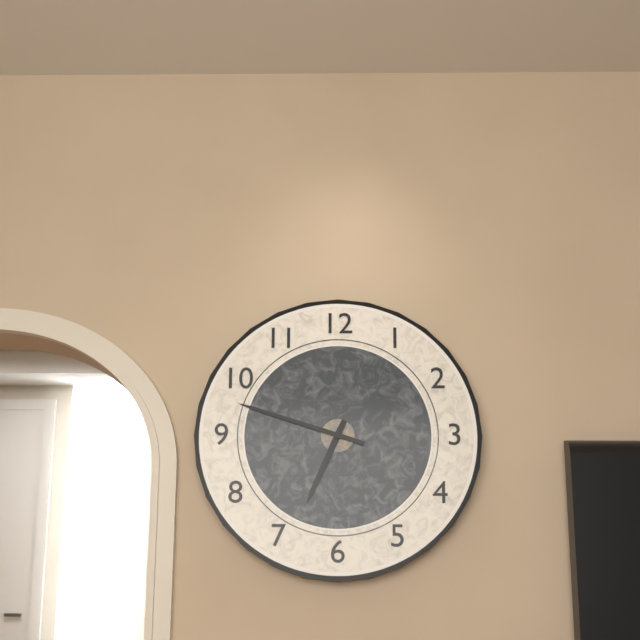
6:48
